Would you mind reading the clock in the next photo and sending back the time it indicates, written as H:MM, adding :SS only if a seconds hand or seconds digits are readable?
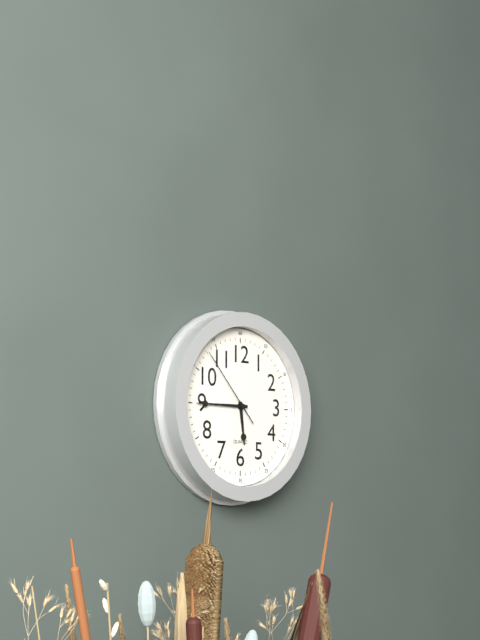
5:45:53
